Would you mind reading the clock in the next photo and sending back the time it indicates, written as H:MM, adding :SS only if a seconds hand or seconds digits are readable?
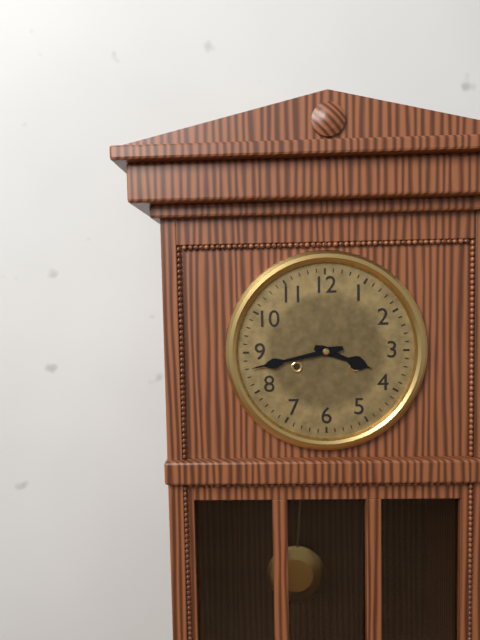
3:43
